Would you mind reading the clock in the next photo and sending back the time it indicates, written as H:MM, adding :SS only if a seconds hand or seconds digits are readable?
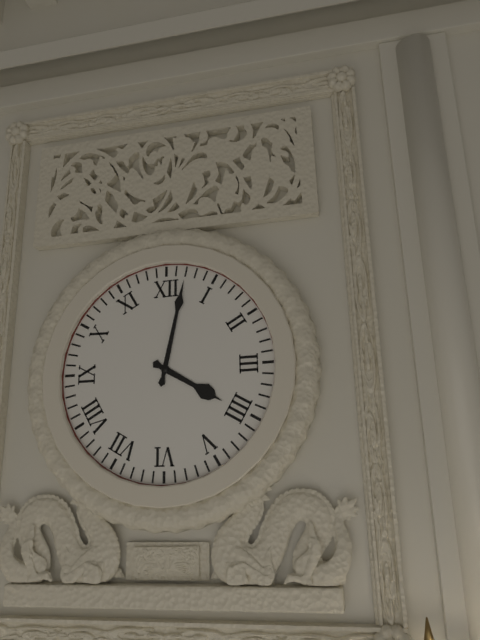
4:02
